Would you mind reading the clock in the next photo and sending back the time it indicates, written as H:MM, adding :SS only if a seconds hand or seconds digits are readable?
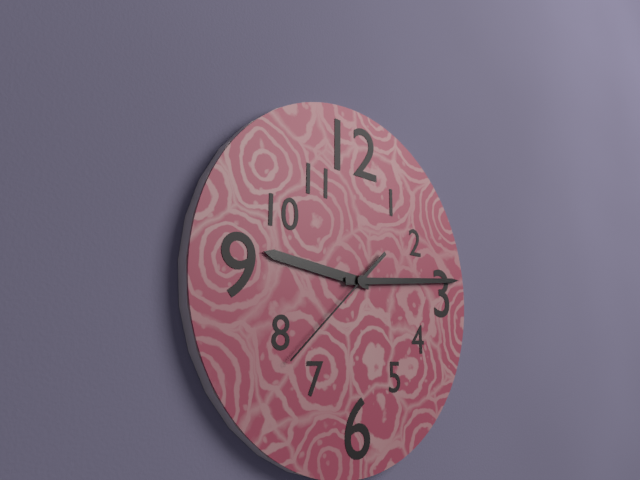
9:14:38
